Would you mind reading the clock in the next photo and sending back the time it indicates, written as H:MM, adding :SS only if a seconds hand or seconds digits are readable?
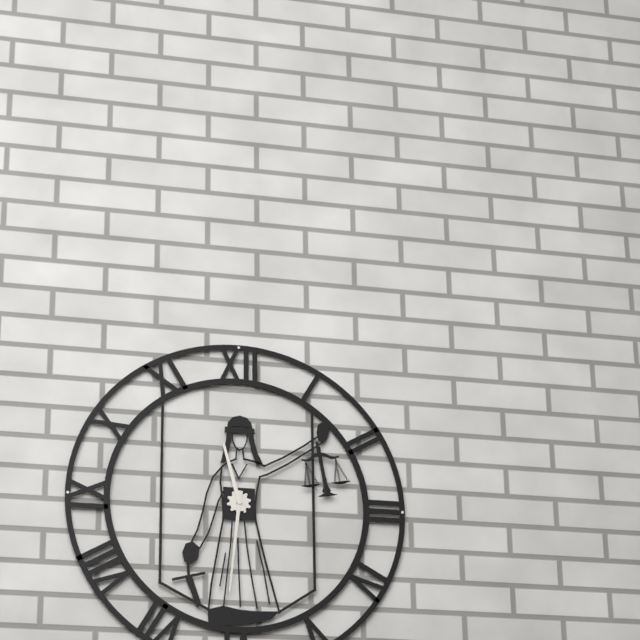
11:31
